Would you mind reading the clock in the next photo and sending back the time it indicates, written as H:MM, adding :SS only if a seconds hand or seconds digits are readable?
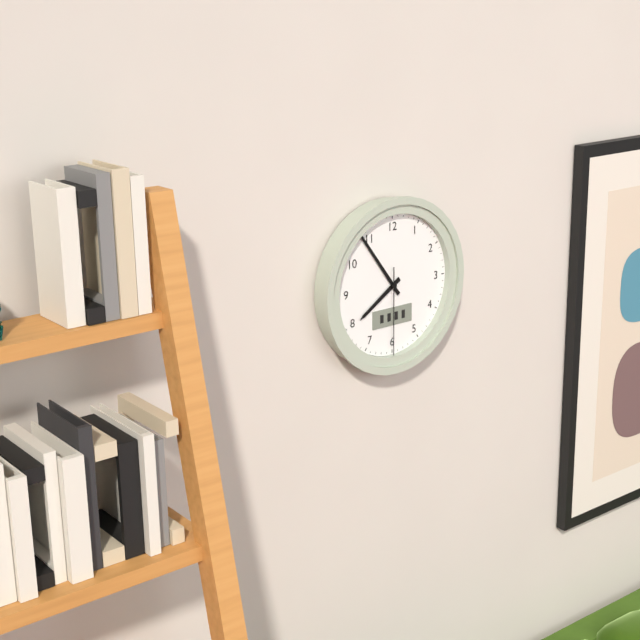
7:54:30
